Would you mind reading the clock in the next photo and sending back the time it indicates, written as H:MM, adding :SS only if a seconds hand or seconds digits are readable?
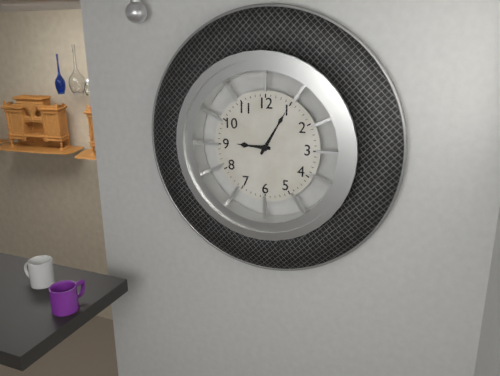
9:05
